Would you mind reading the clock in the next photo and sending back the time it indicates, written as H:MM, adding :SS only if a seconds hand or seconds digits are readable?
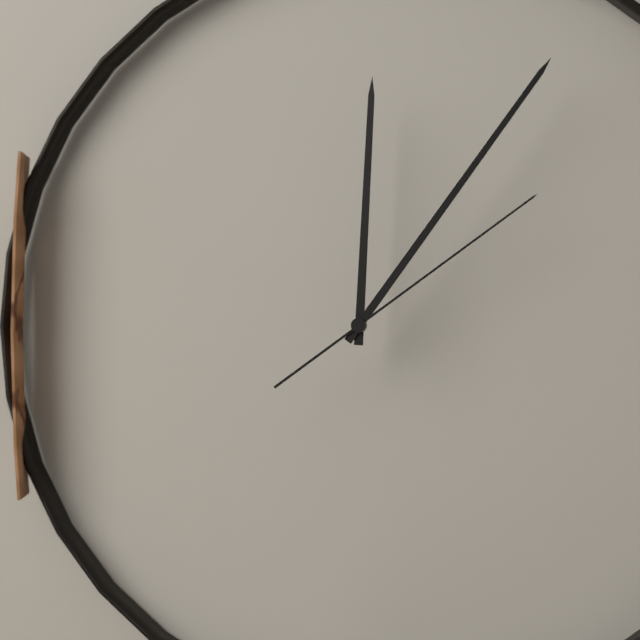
12:06:09
